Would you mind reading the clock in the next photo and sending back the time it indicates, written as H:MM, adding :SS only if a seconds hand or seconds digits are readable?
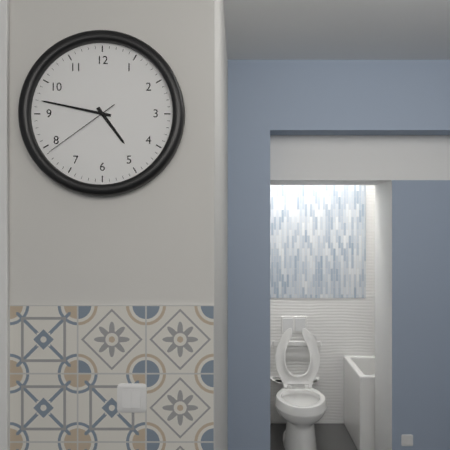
4:47:39
